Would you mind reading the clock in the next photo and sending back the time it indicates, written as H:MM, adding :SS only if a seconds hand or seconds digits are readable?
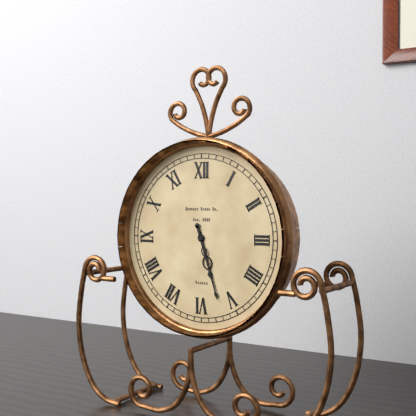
5:27
